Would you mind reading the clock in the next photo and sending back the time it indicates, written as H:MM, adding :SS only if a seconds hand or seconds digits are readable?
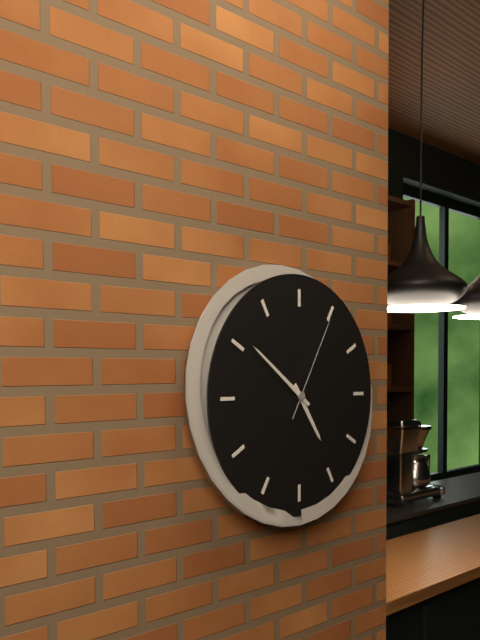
4:51:05
